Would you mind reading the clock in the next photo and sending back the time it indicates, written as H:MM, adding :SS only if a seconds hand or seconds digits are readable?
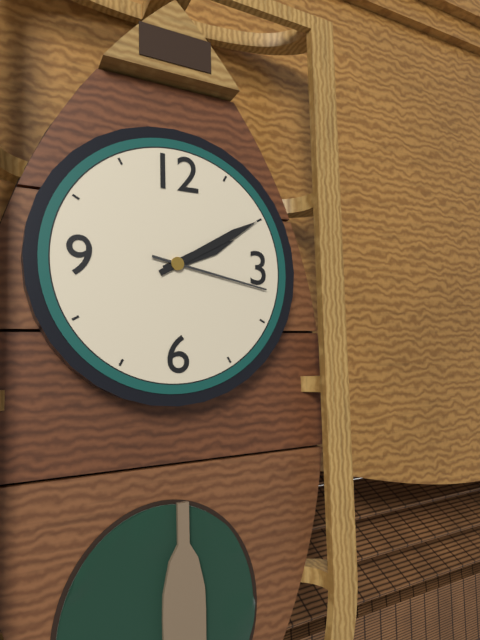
2:10:17
